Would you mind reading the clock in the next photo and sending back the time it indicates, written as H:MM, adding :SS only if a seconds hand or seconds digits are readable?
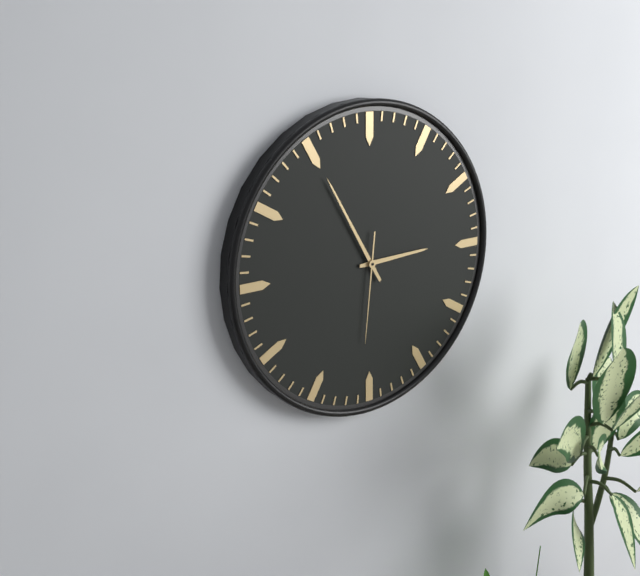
2:55:31
